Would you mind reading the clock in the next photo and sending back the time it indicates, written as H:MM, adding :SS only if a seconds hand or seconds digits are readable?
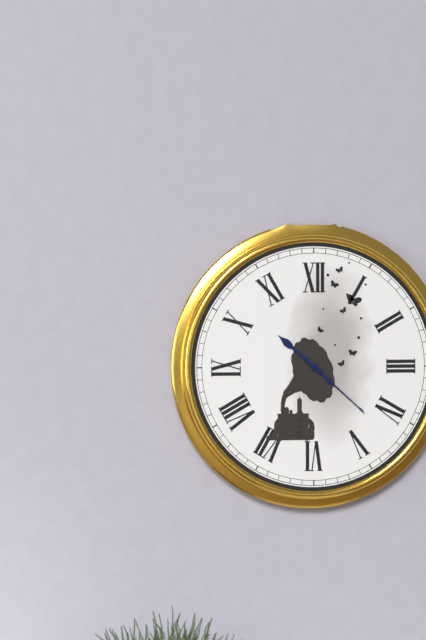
10:22
